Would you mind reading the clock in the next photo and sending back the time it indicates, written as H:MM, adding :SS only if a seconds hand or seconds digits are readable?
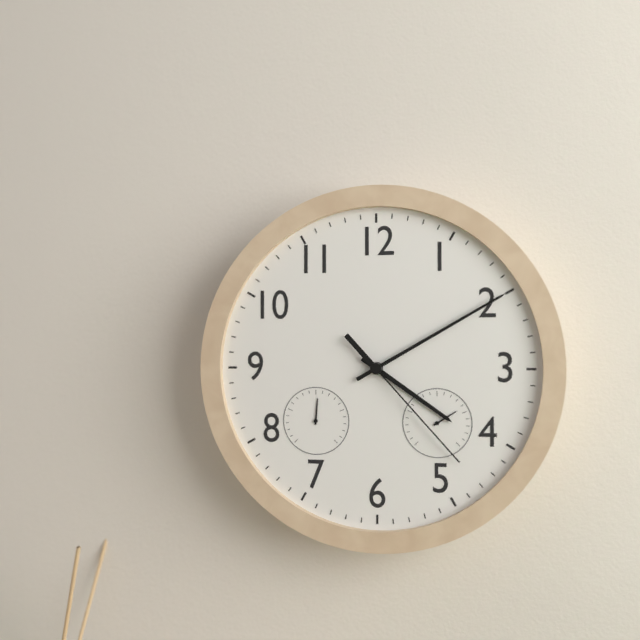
4:10:23
